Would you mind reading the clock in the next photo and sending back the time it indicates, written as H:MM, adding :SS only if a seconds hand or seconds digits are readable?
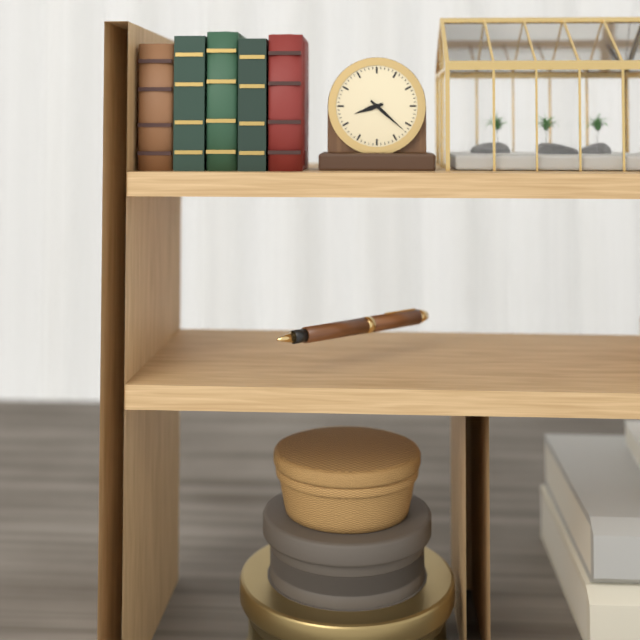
8:22
